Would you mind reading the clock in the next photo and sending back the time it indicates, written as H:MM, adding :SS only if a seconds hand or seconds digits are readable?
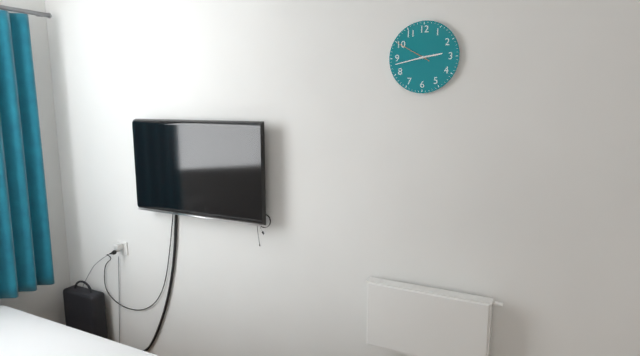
2:43
